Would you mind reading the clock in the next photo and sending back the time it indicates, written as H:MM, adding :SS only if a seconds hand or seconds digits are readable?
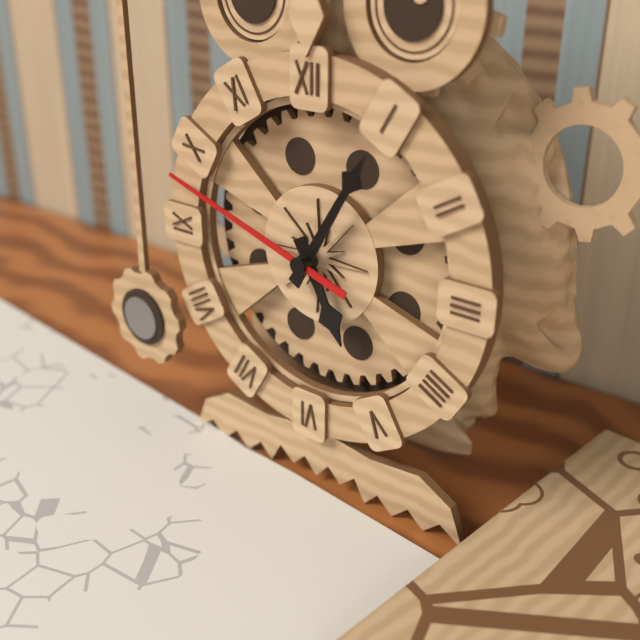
5:05:48
